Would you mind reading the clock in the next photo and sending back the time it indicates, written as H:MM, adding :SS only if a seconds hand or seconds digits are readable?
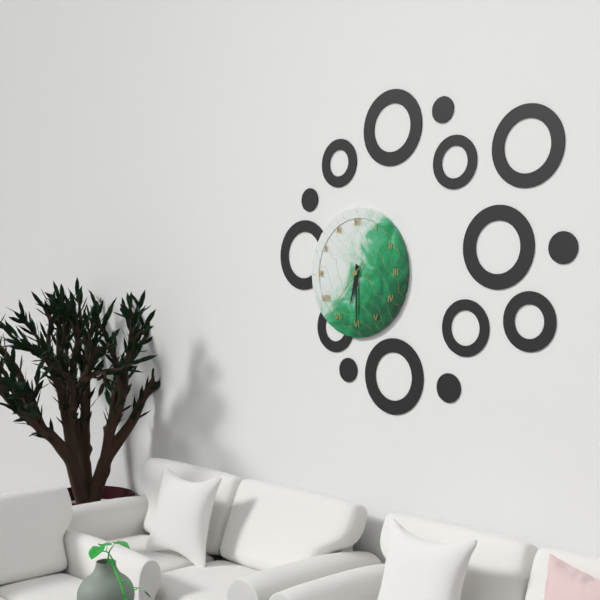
6:30:37
